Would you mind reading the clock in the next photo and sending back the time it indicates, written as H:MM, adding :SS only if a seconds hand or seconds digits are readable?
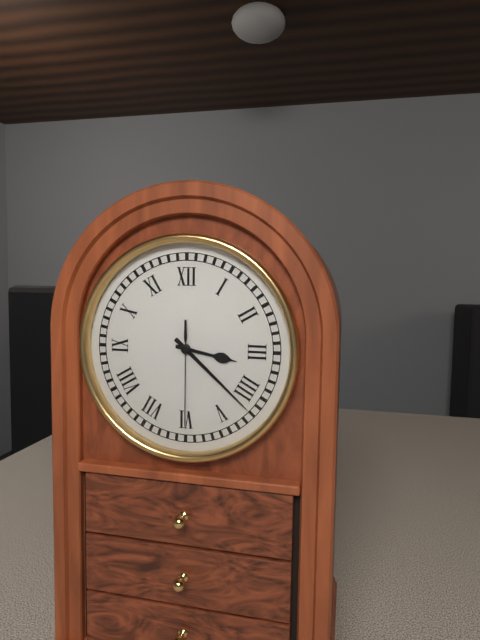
3:22:30
